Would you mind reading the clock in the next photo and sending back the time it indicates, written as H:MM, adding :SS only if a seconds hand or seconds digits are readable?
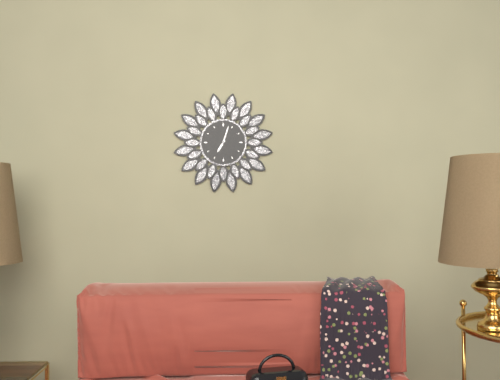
7:03
